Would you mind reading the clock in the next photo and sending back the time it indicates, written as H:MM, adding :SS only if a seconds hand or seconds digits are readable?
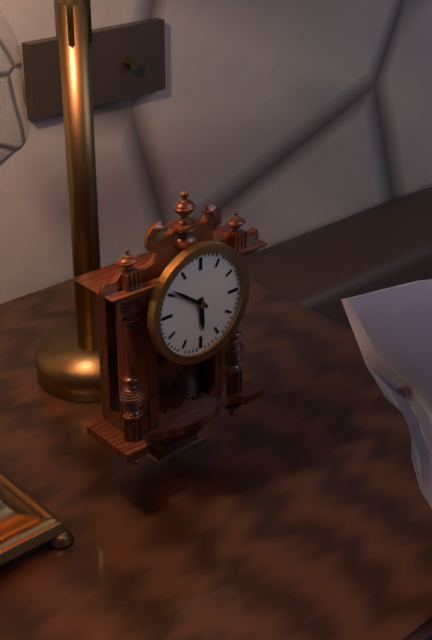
5:51
